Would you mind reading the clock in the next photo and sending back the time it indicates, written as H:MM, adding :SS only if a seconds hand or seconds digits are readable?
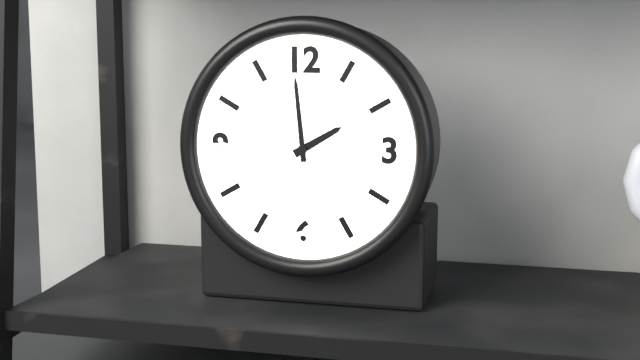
1:59
